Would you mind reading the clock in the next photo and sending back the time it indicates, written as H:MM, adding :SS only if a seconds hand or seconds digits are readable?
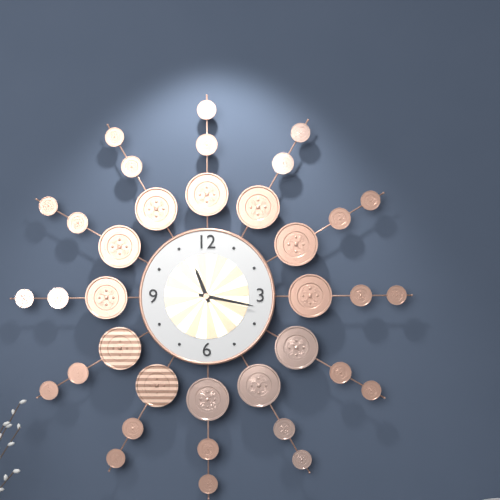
11:17
